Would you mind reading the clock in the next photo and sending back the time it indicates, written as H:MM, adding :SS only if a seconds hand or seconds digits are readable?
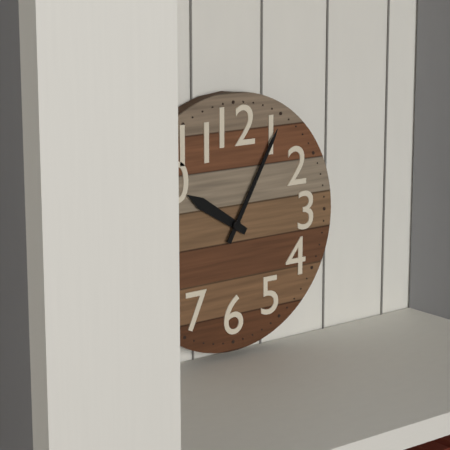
10:05
